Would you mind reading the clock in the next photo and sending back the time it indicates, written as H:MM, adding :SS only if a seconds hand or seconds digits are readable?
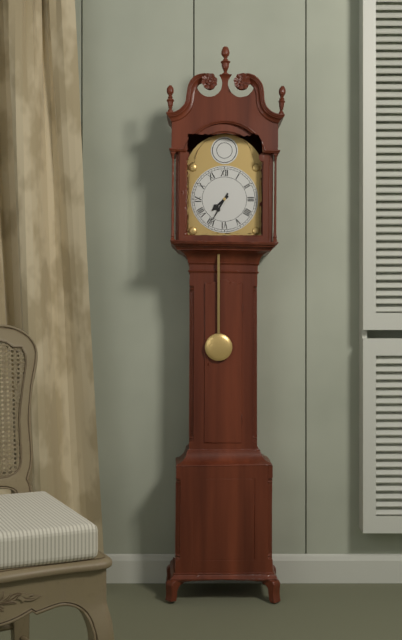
7:35
